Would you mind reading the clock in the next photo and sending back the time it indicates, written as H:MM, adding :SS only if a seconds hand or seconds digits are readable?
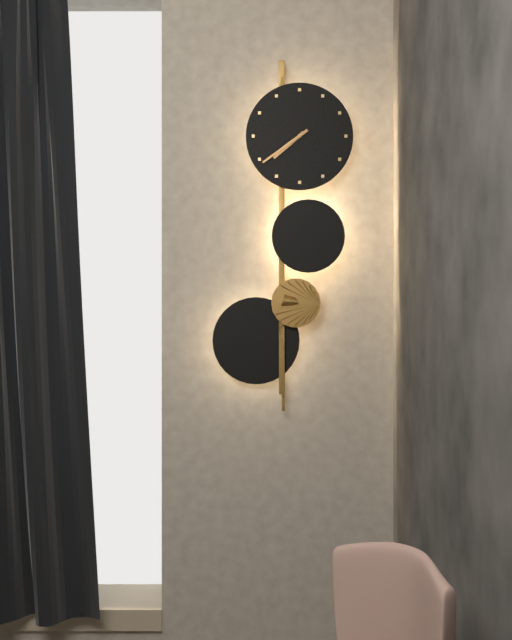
7:39
